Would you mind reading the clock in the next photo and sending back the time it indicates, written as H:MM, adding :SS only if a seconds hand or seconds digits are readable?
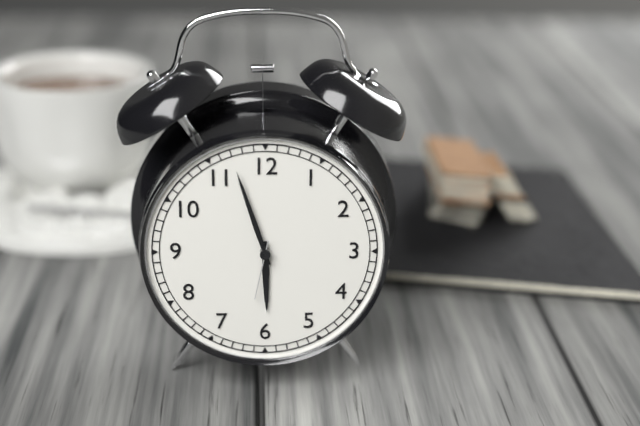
5:57:32
